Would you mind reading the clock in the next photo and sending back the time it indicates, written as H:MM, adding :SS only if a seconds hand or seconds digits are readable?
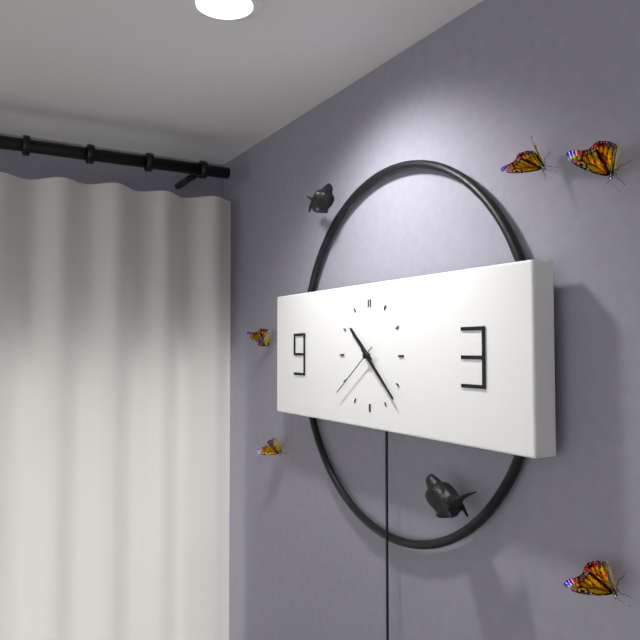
10:22:39
